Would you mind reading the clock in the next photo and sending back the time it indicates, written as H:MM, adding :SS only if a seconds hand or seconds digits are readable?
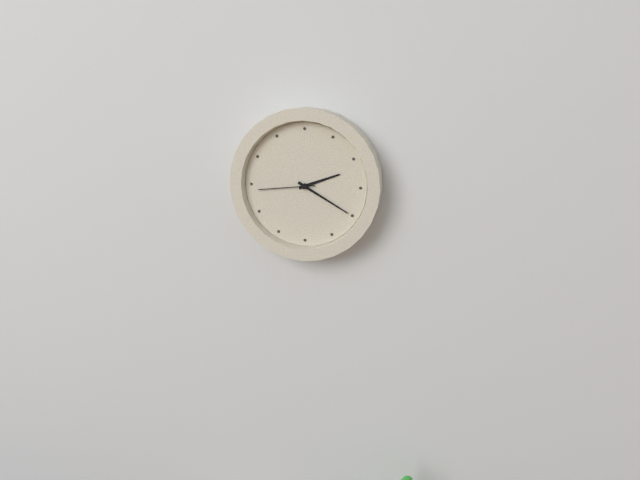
2:20:44
